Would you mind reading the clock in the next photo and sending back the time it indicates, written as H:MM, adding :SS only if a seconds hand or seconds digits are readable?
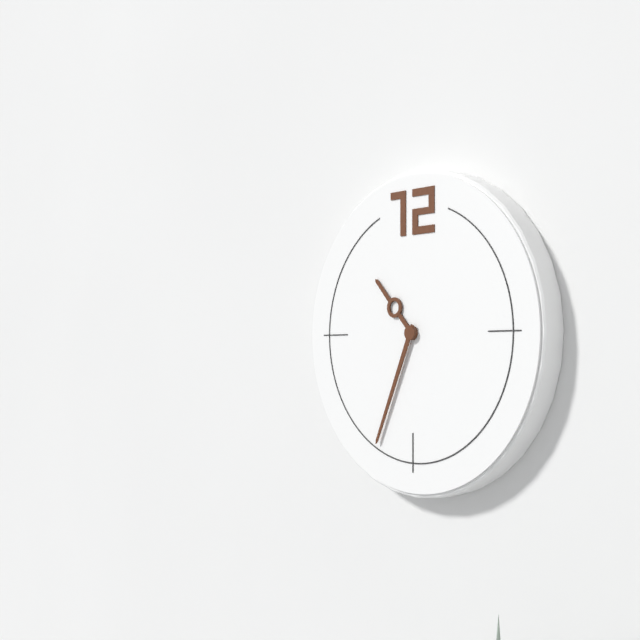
10:34
